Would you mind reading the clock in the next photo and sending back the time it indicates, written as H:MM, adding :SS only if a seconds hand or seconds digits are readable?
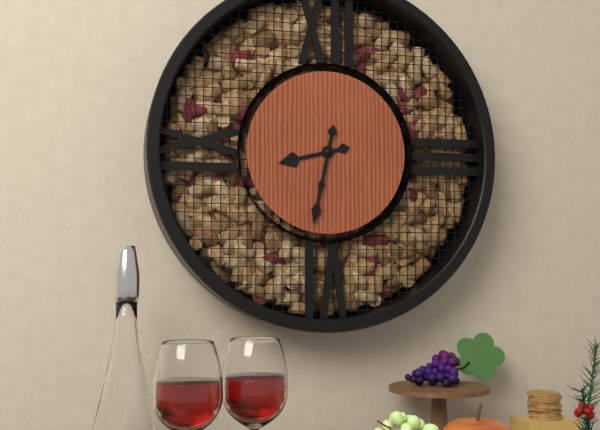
8:32
